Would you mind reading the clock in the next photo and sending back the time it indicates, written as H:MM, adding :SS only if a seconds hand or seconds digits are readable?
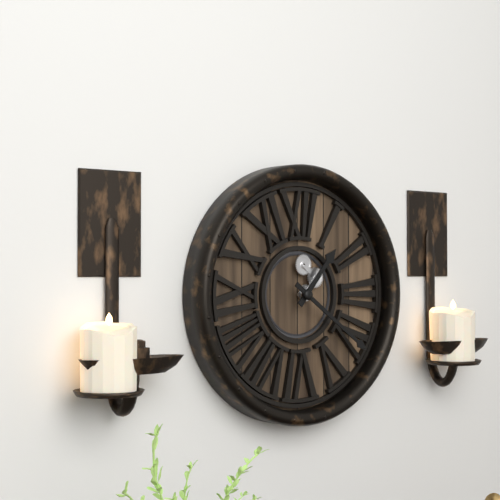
1:21
